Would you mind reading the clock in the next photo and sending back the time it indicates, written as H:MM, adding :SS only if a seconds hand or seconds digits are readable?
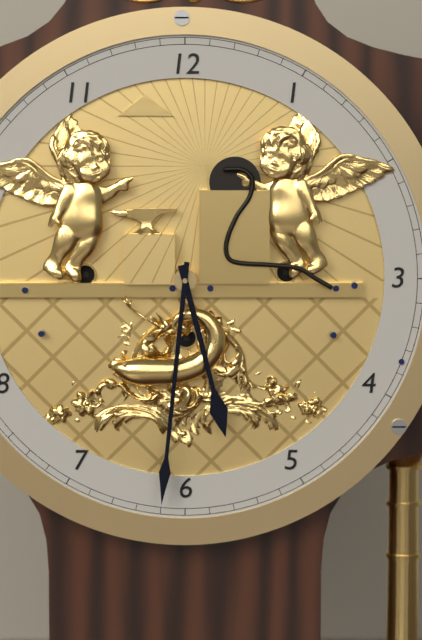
5:31
